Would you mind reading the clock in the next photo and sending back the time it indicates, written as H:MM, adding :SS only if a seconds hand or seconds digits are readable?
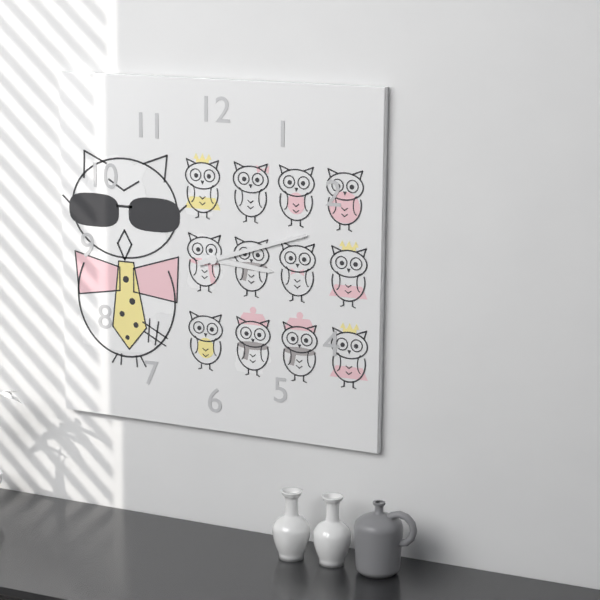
3:12
